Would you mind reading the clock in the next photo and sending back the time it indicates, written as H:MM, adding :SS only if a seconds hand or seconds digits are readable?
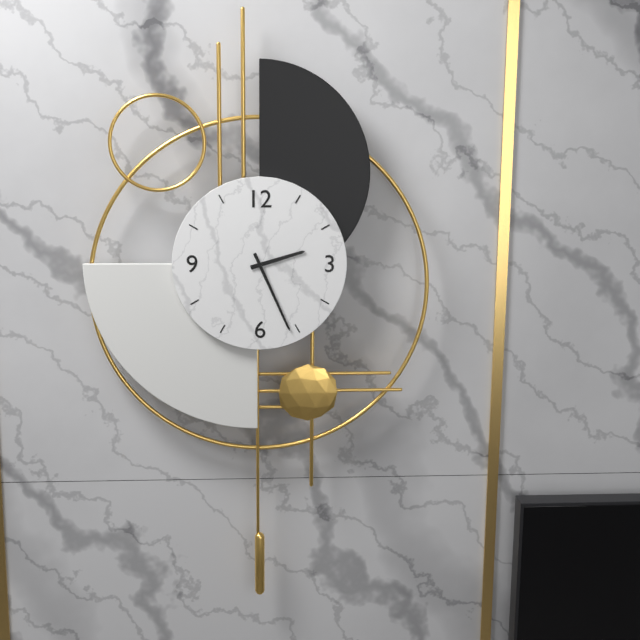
2:26
